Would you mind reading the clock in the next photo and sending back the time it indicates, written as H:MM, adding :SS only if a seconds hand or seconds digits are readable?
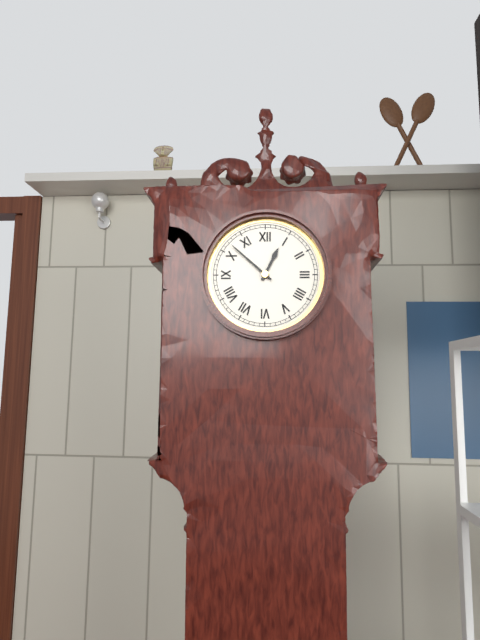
12:52
